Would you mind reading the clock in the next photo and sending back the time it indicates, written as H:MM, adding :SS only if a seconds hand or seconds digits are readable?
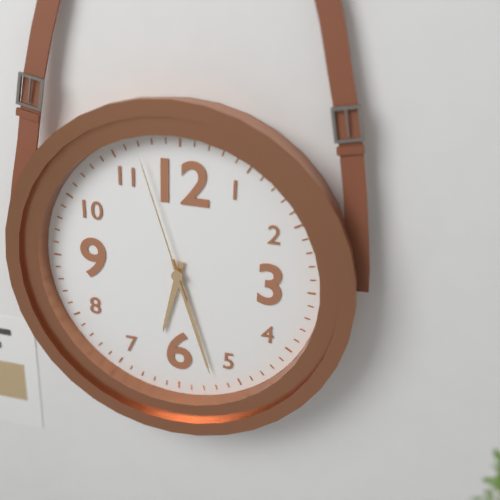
6:27:57
